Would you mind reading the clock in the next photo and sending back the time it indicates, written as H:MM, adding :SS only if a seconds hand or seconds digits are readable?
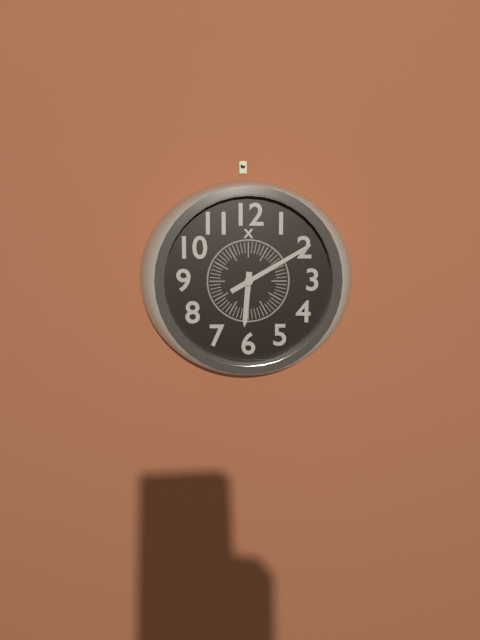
6:10
